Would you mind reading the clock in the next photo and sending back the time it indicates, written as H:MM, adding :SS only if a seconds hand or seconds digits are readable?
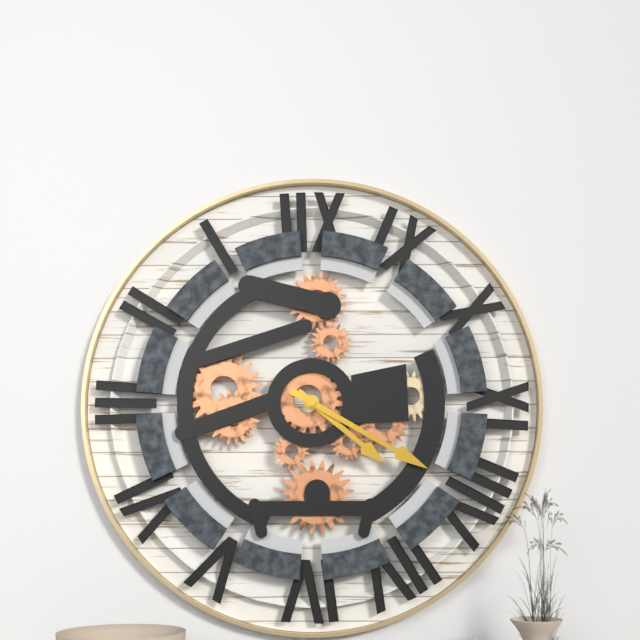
4:20
